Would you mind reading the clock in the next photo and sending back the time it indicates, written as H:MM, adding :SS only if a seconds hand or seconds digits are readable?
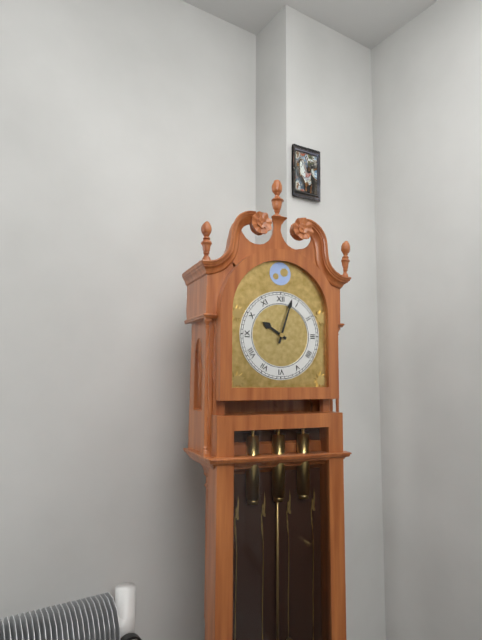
10:03
